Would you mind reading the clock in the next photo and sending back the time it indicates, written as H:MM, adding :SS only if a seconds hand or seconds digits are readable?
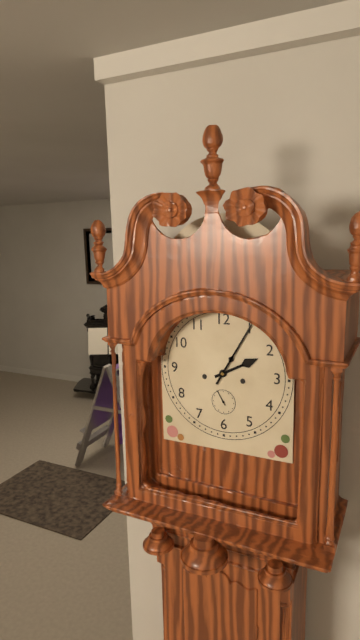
2:05
